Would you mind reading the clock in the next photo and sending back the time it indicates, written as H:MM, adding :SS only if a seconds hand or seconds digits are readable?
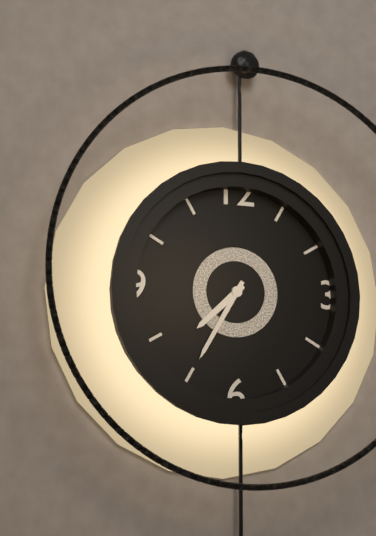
7:35
